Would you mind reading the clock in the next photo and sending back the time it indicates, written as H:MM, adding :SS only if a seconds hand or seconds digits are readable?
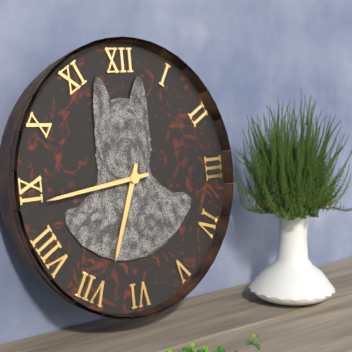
6:44
